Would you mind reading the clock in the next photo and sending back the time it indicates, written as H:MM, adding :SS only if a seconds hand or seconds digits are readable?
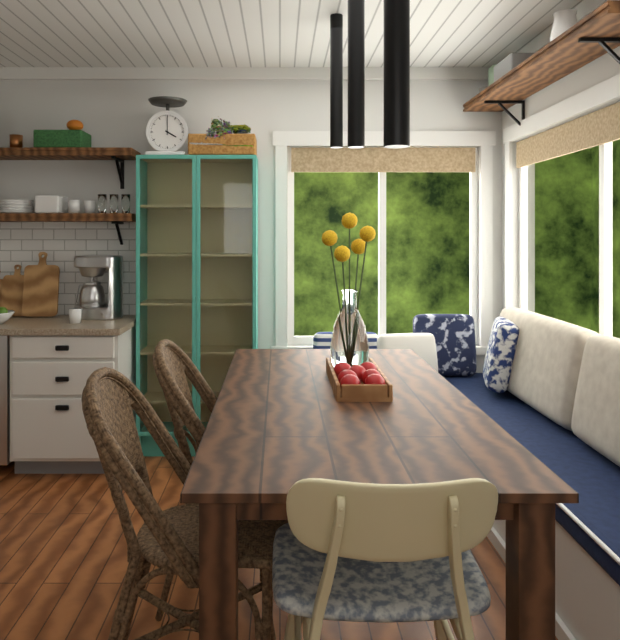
4:00
